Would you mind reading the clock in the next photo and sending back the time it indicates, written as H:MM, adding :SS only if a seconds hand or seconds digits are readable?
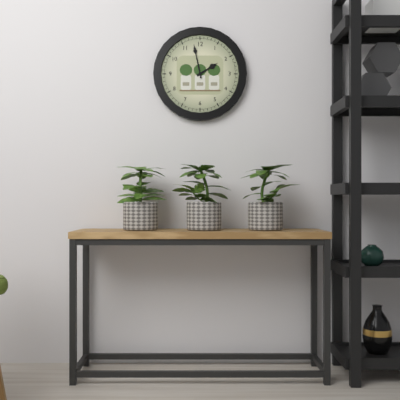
1:58
